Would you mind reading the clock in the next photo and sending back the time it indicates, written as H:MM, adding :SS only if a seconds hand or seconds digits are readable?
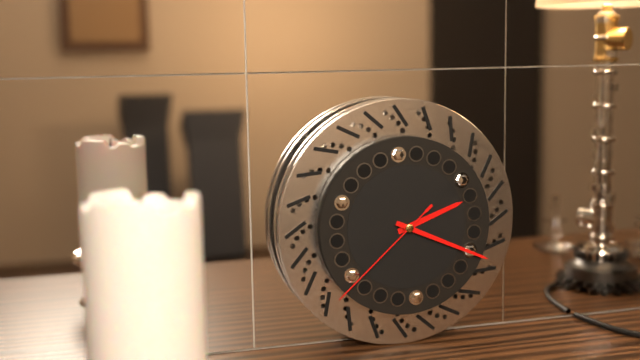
2:19:38
